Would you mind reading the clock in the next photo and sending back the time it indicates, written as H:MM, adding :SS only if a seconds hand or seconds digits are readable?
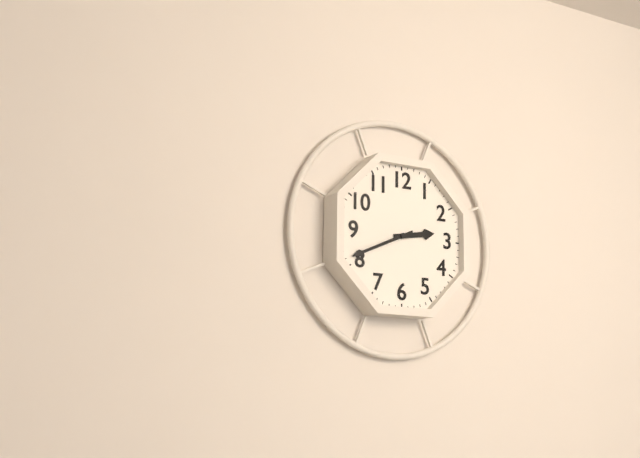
2:41
